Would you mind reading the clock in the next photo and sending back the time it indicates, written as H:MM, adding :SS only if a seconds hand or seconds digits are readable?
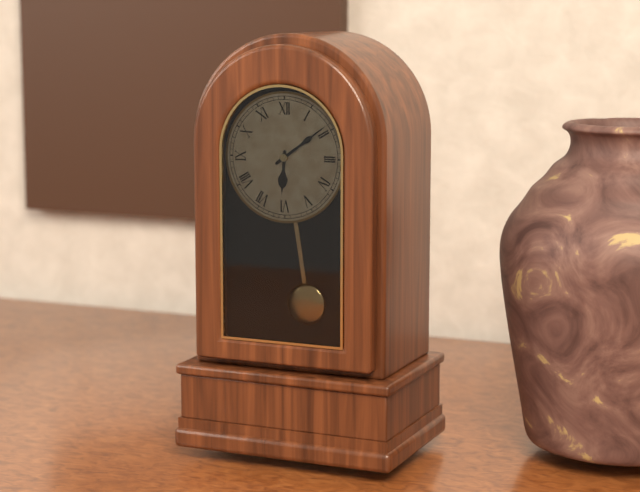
6:09
